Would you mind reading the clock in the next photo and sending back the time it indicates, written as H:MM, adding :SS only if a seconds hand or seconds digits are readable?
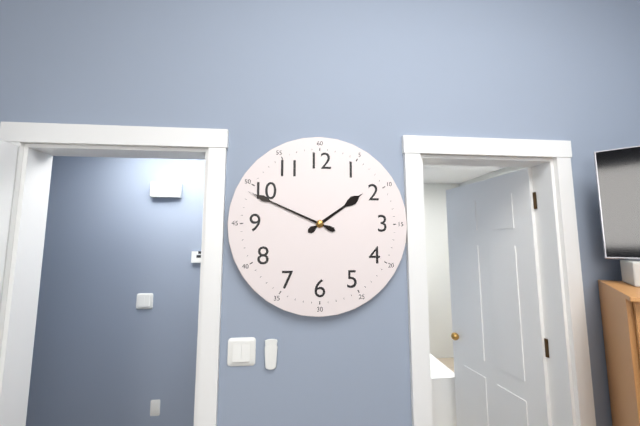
1:49
